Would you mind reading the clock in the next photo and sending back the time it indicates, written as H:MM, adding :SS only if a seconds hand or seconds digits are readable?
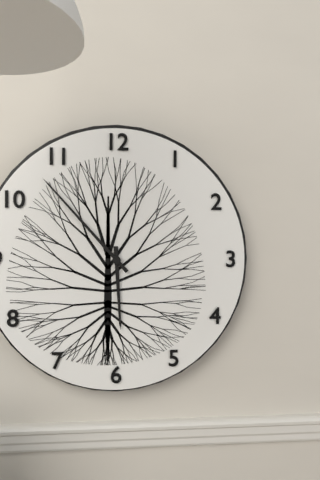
5:53
